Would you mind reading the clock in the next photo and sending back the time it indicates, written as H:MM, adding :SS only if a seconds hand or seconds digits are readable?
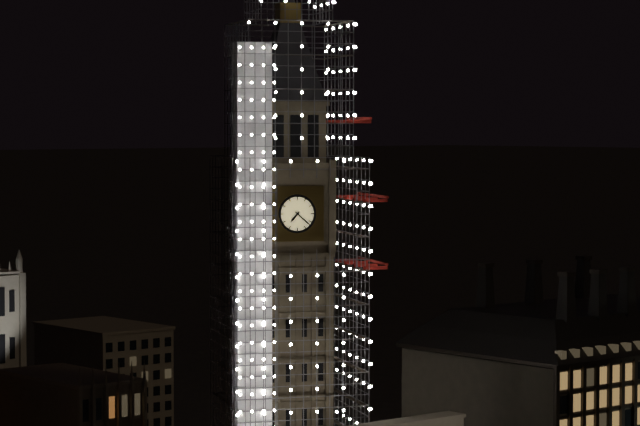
7:22
